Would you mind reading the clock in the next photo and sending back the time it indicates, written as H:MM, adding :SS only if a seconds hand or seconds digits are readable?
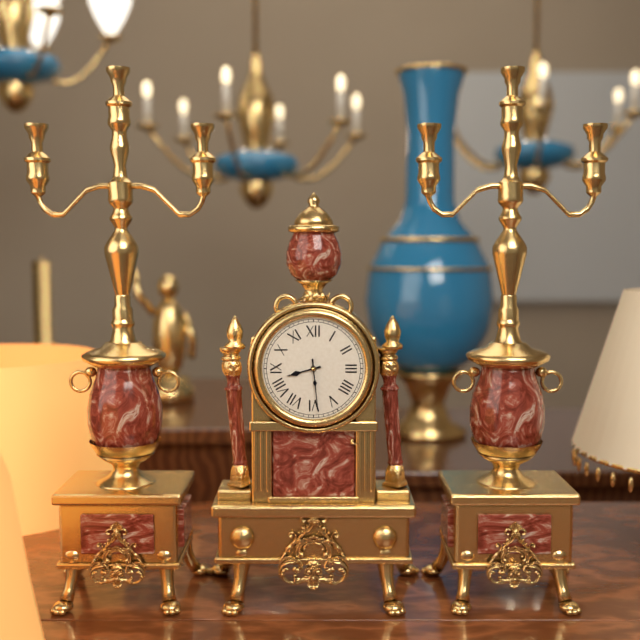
8:29
